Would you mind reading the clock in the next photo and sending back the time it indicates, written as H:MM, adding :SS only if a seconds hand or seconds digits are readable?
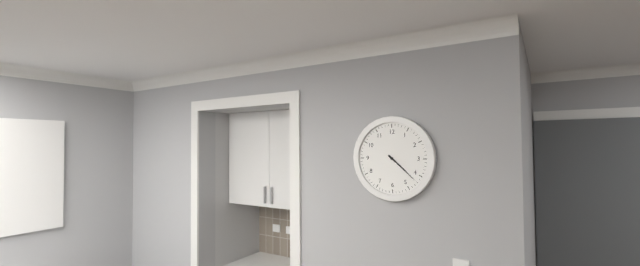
4:22
